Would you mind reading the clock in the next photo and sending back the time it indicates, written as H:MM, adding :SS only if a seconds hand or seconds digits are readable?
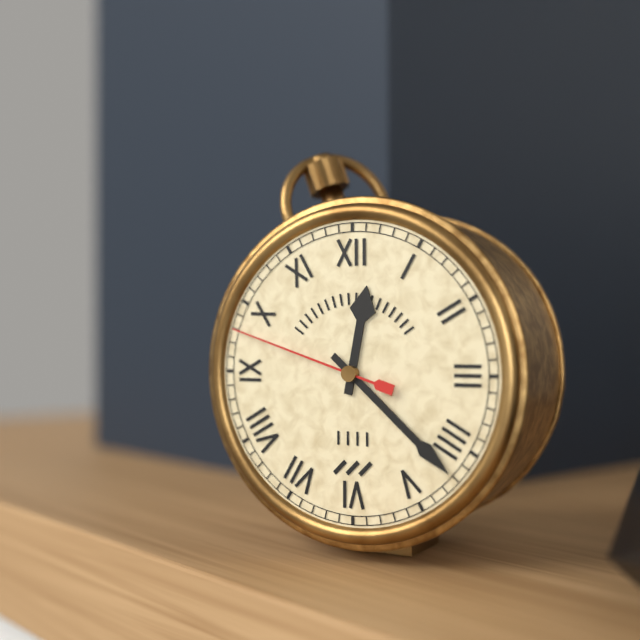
12:22:48
